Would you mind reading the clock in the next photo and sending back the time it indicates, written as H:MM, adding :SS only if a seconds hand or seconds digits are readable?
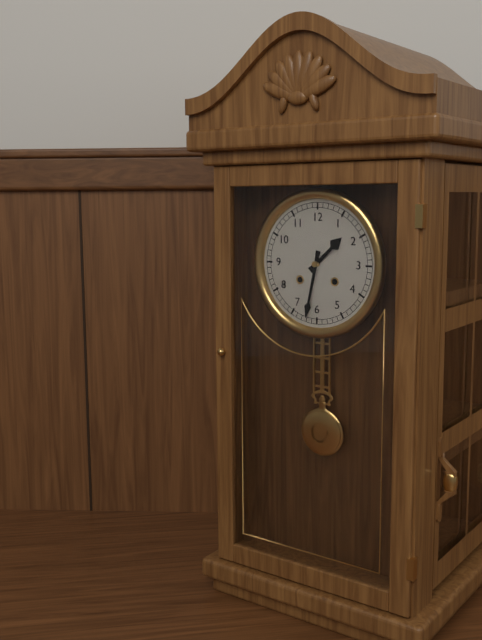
1:32
